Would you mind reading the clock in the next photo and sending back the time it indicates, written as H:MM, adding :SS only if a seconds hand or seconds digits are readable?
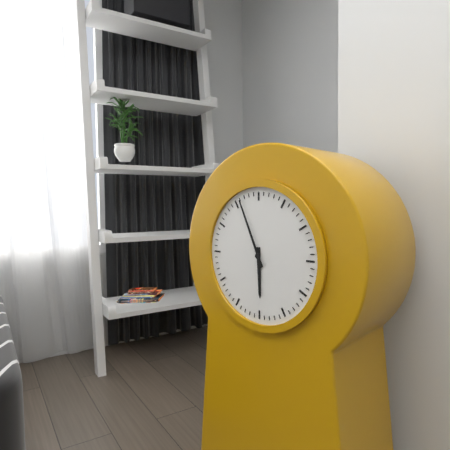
5:56
